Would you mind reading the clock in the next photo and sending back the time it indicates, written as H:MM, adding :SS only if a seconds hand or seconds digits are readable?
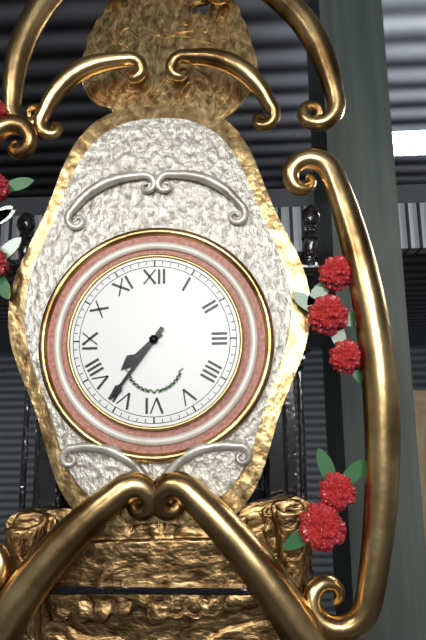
7:36
